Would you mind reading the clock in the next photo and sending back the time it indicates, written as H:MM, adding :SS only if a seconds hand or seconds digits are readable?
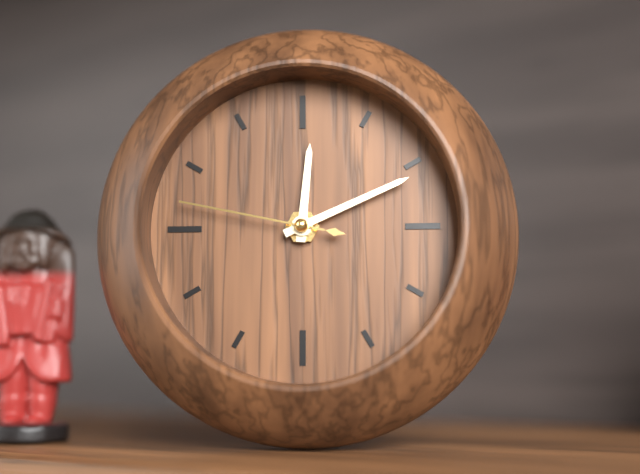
12:11:47
